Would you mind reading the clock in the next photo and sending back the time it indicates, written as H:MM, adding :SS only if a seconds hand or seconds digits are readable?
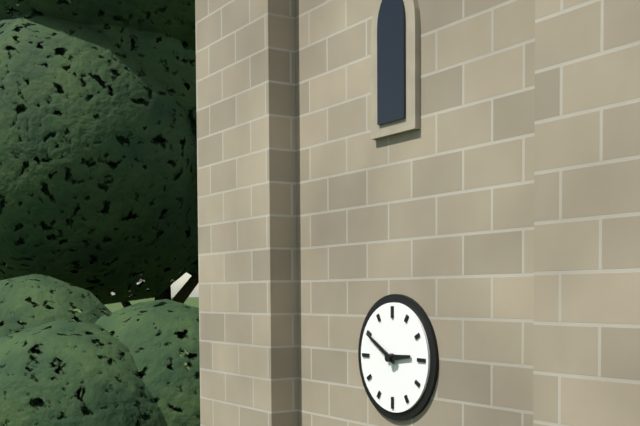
2:50
